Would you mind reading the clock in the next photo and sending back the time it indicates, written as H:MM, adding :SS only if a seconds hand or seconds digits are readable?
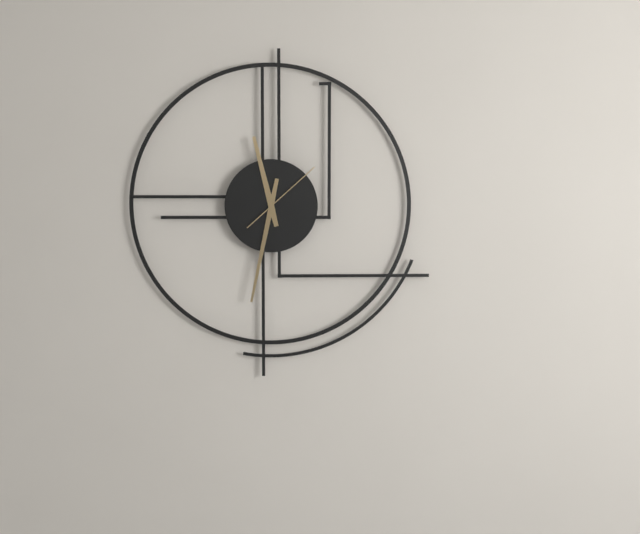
11:32:08
